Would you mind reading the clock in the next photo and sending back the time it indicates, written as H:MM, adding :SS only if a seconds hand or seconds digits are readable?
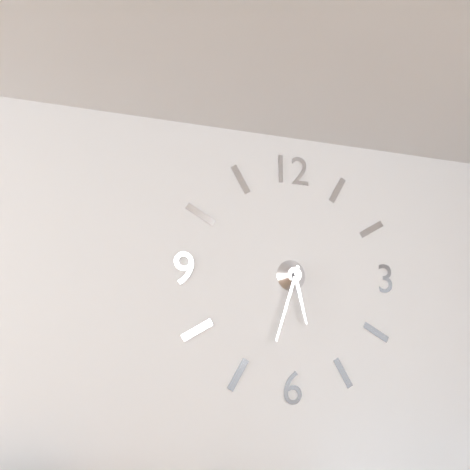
5:33
